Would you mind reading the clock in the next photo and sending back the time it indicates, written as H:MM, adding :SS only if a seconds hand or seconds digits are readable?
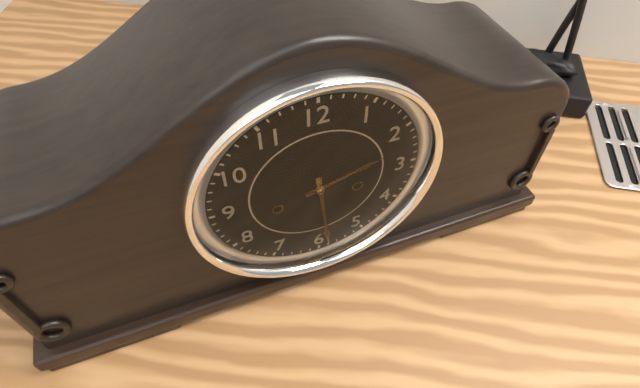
2:29
